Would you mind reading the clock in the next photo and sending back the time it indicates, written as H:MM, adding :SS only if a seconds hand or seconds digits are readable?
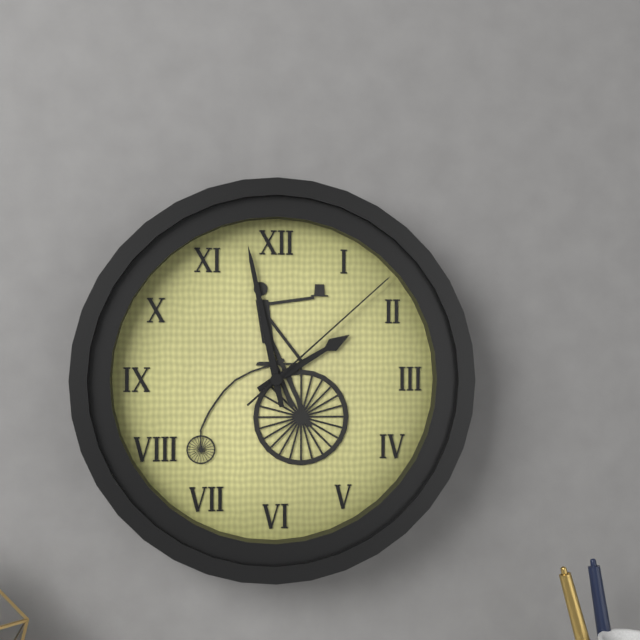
1:58:08
